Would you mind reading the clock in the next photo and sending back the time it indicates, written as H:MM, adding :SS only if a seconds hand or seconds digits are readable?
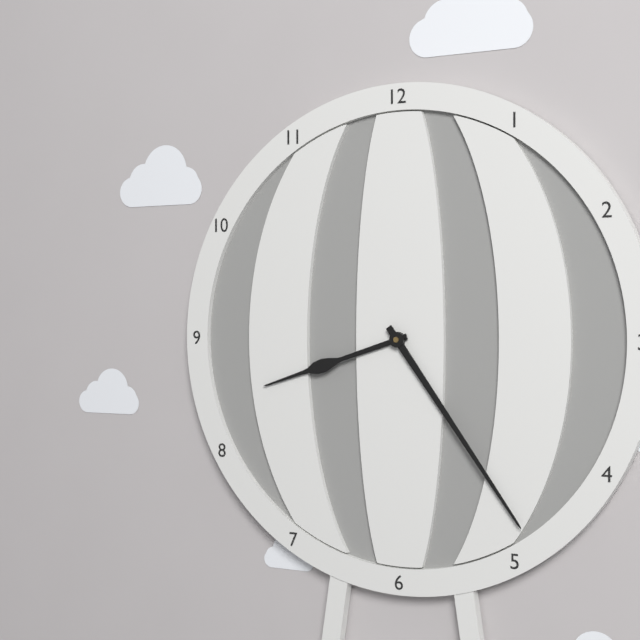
8:24
